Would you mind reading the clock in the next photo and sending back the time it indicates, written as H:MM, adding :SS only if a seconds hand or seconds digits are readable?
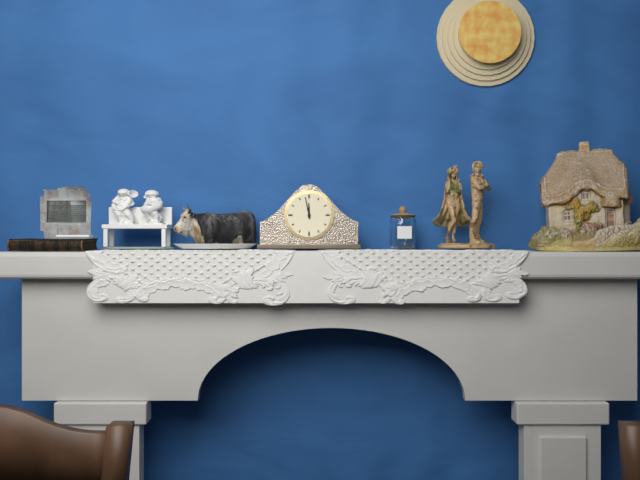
11:58
